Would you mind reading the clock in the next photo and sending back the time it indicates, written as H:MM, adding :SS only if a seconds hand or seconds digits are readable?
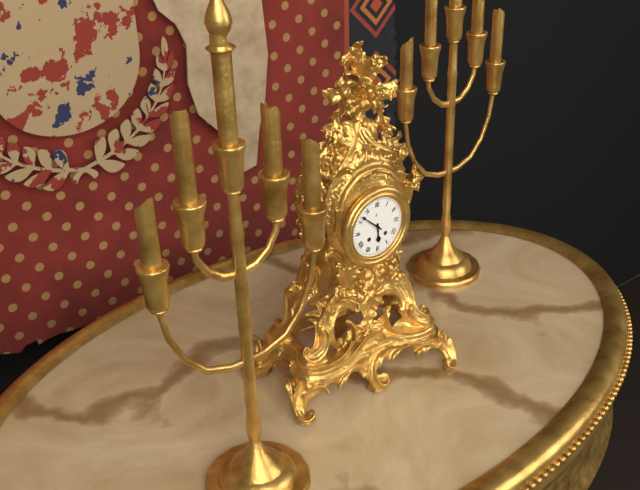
5:52
